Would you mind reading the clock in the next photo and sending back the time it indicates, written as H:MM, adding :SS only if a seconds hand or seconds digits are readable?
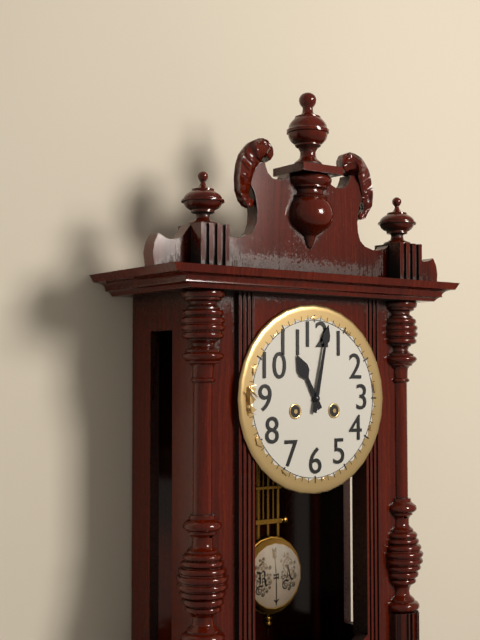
11:02
